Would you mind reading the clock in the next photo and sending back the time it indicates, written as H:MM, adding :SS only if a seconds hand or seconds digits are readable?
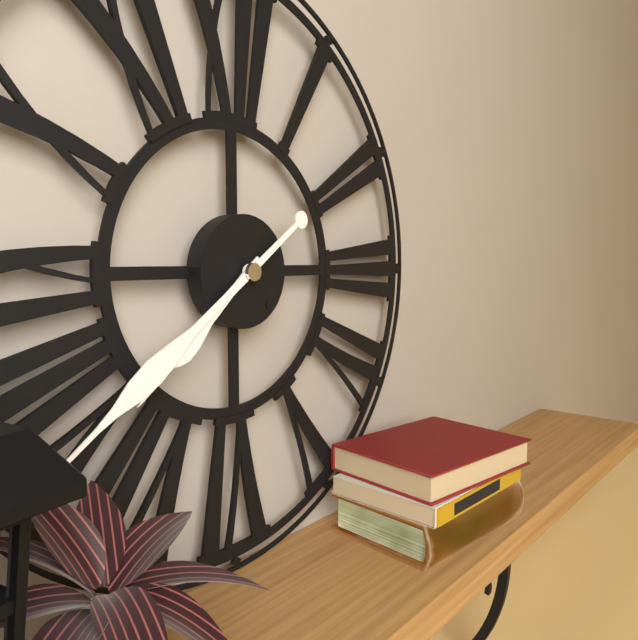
7:39
